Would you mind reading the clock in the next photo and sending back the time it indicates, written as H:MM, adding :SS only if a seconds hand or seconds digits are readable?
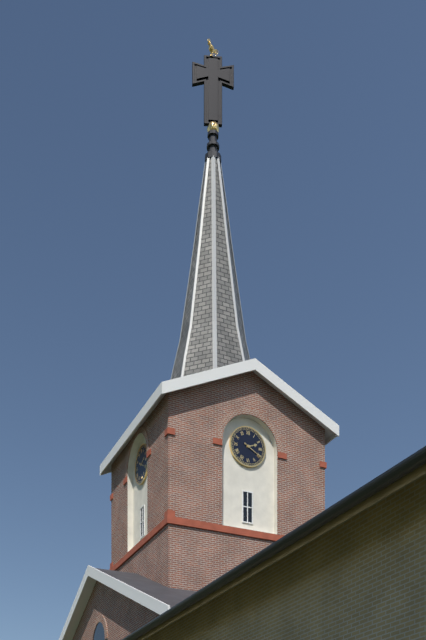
2:20
